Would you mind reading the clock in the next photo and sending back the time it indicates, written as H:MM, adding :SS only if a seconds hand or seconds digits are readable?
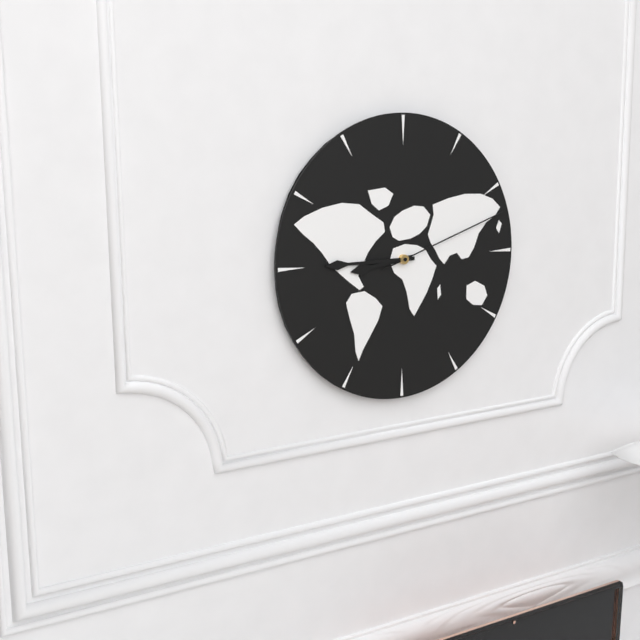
8:45:12
